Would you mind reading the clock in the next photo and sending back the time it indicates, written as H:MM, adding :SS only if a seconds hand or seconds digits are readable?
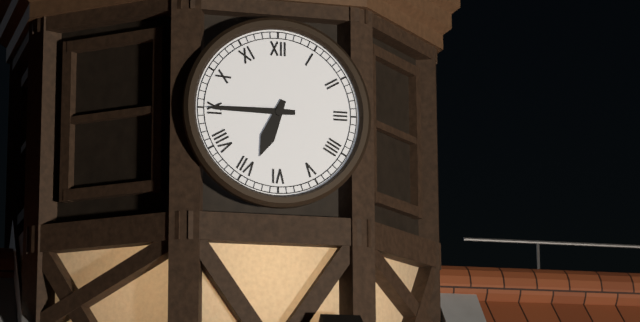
6:45
